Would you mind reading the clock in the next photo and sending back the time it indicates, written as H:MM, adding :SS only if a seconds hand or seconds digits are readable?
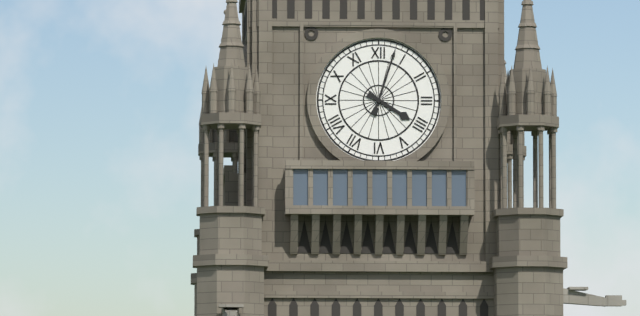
4:03
